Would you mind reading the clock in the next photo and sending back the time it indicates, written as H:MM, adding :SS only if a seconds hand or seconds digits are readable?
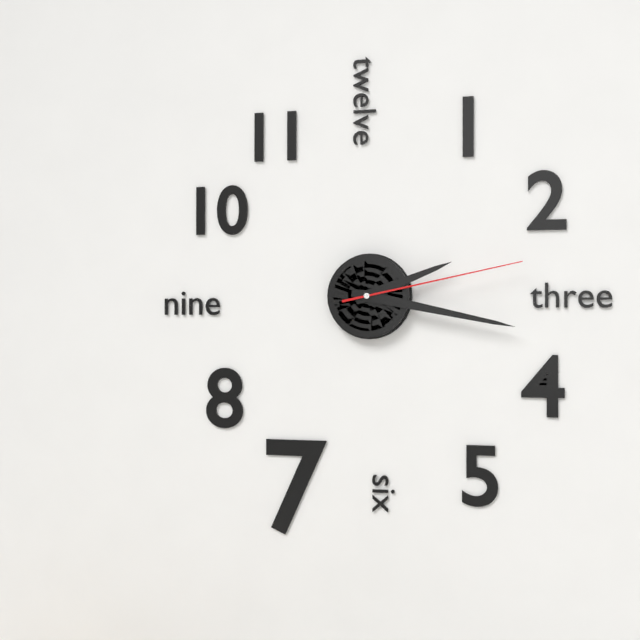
2:17:13
